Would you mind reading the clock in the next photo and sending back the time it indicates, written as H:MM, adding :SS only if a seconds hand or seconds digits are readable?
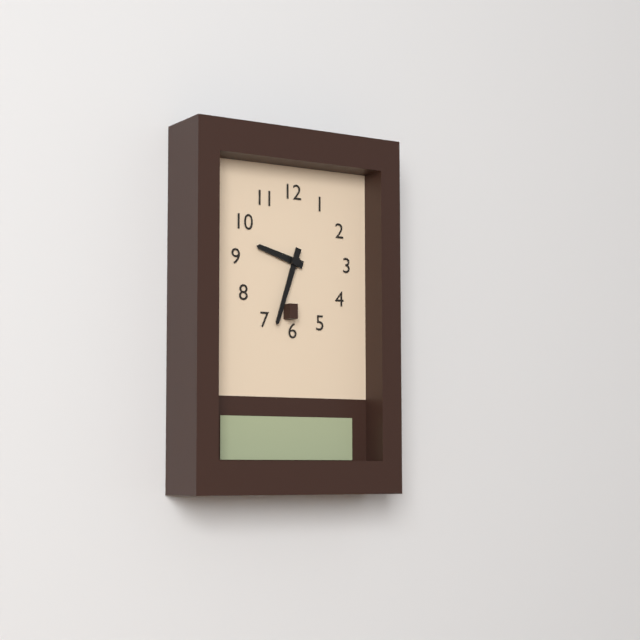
9:33
